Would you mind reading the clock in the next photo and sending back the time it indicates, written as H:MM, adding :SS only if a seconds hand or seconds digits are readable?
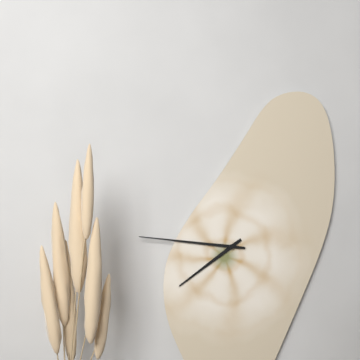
7:46
